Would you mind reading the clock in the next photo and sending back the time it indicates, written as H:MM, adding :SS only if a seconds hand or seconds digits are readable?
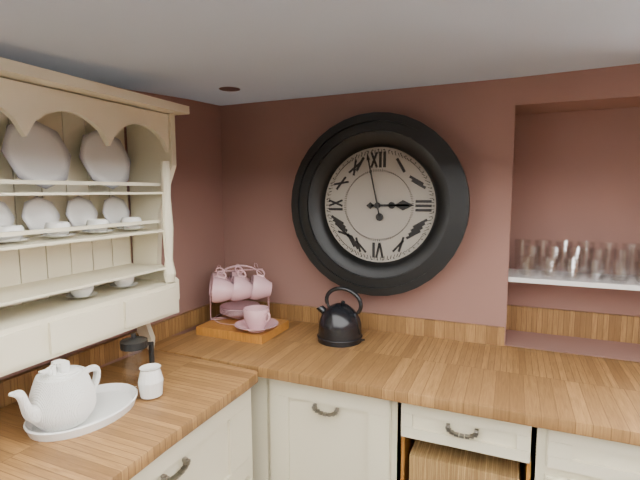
2:58
